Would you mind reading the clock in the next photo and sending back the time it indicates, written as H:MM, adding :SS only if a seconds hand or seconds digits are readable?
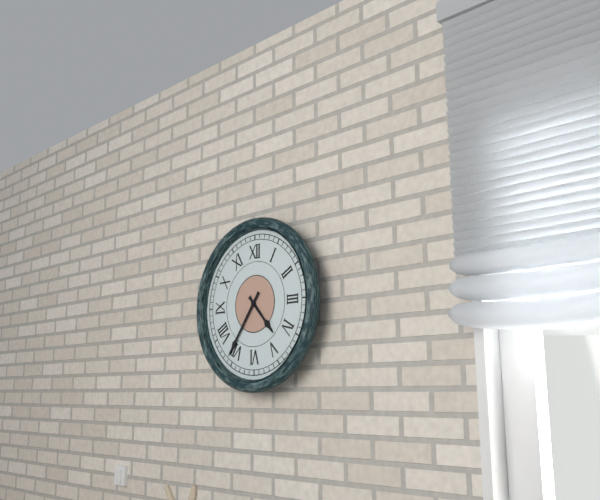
4:36
